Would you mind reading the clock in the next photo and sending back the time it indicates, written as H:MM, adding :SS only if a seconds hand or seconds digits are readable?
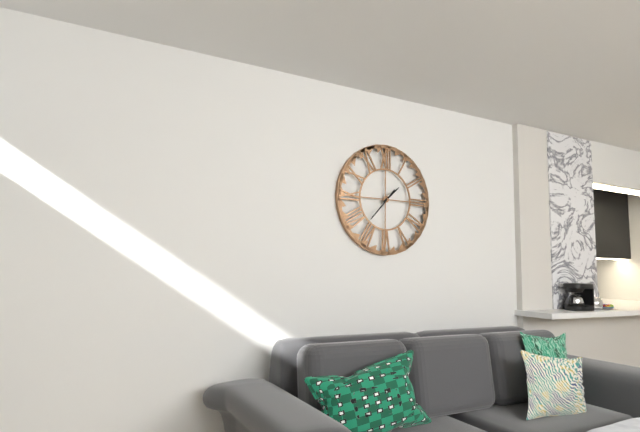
1:37
